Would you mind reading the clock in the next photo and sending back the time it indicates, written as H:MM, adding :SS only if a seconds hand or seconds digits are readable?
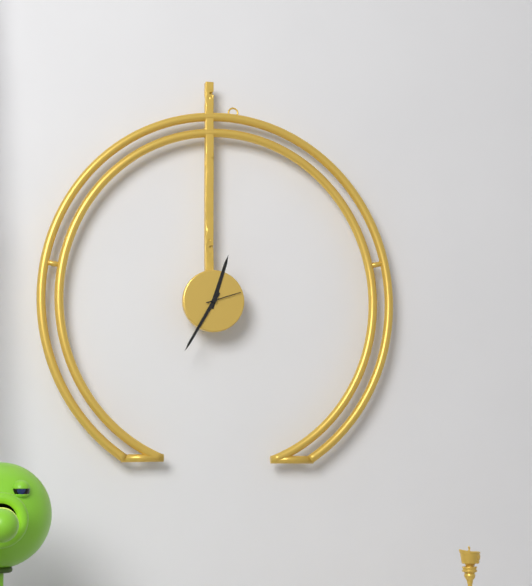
12:35
